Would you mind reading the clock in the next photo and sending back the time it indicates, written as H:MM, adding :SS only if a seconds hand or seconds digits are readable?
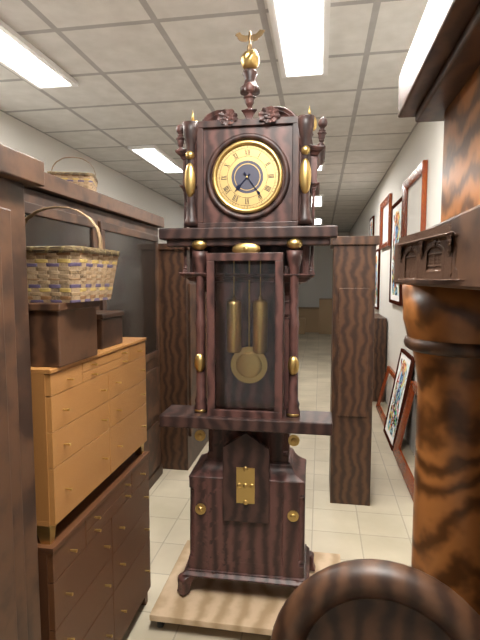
7:24
